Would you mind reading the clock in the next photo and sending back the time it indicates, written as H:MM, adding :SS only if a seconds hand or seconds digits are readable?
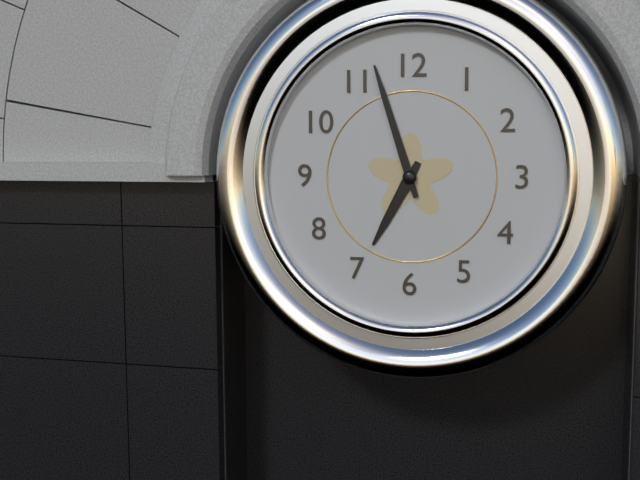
6:57
